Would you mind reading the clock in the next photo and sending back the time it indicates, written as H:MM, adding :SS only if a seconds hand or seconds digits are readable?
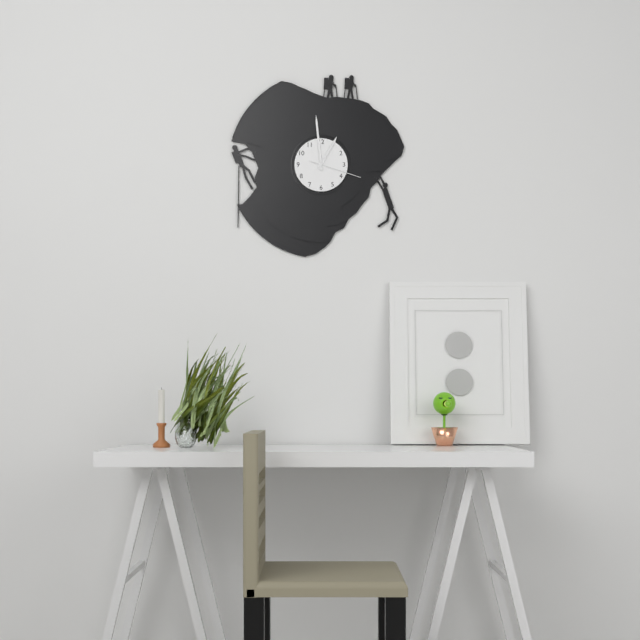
12:59:18
